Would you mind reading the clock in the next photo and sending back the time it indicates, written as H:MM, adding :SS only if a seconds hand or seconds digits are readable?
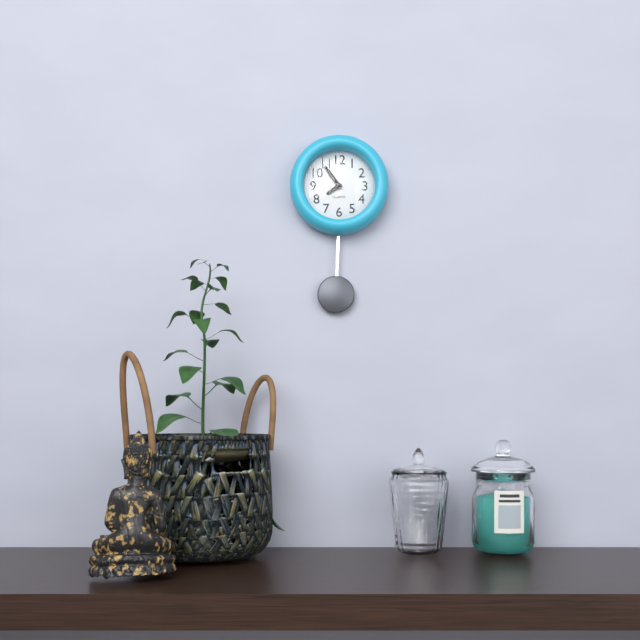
7:54
